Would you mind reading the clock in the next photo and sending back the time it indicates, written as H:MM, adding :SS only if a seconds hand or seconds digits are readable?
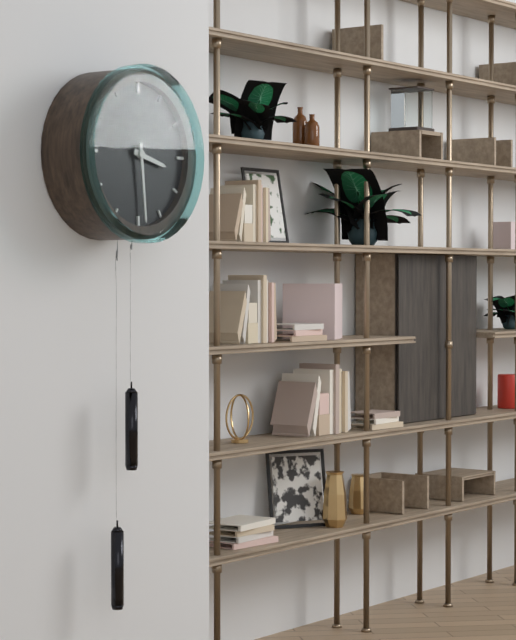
3:29
